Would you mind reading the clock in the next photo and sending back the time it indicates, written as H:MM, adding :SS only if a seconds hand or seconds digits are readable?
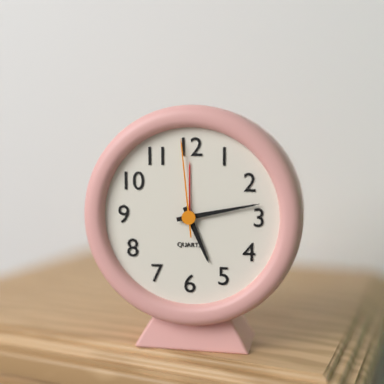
5:13:59
